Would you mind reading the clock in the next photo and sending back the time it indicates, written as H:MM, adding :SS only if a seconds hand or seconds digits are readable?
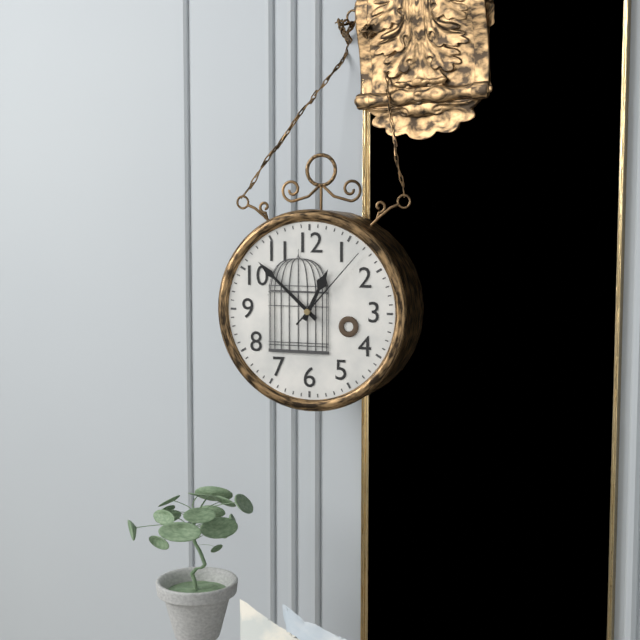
12:52:07
